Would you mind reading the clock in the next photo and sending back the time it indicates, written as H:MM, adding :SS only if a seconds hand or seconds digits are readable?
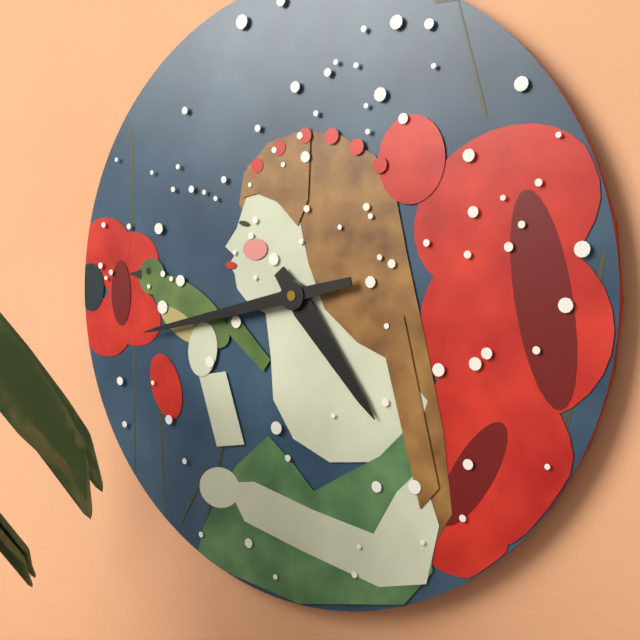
4:43
